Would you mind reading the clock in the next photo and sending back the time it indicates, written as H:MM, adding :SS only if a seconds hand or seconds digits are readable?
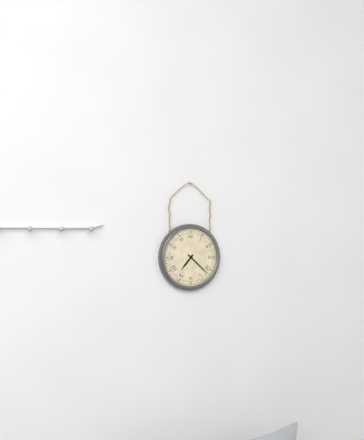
7:22
